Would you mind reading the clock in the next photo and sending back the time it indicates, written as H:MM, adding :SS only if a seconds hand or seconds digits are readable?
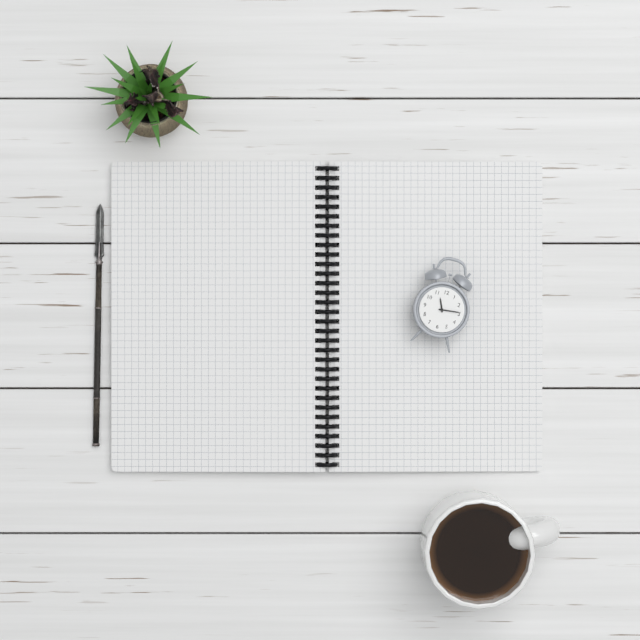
11:14
